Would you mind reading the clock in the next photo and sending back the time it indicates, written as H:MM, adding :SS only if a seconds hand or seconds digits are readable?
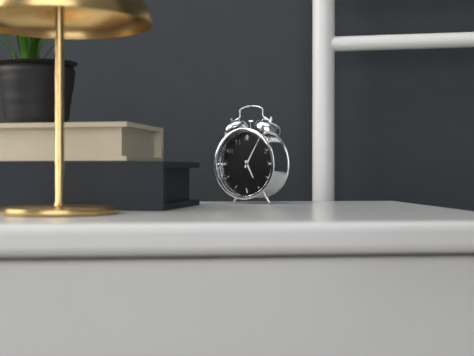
5:05
